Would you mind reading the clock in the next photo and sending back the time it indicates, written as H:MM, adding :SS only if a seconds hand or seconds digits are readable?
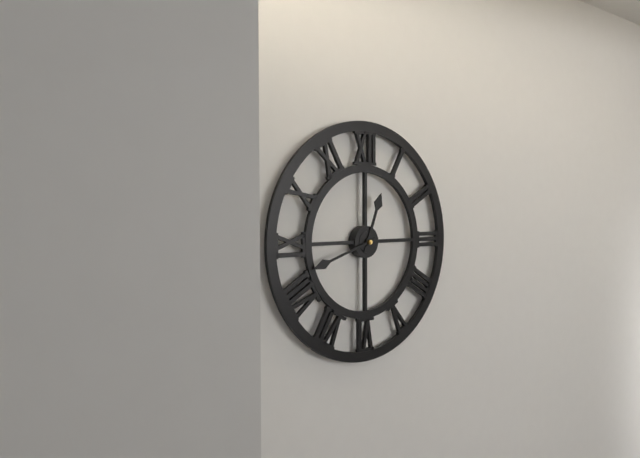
12:42
